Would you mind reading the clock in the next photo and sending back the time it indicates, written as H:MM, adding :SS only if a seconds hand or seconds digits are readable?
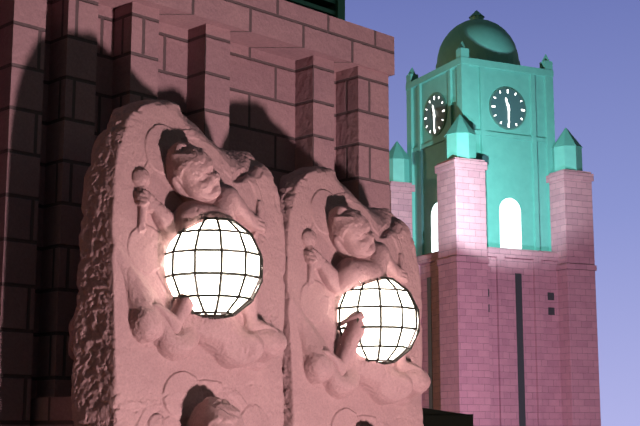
11:30
